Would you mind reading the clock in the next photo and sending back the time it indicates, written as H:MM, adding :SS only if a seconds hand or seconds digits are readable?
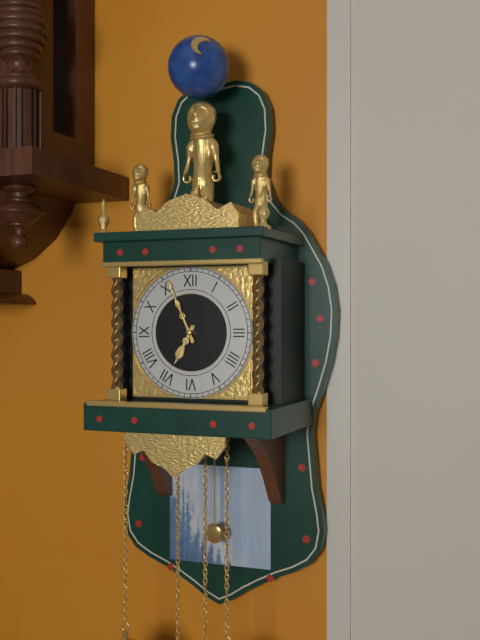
6:56
